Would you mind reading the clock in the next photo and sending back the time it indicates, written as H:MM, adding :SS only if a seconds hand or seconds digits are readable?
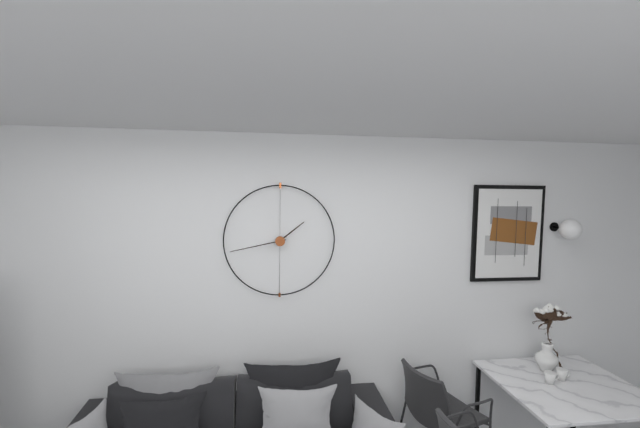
1:43
